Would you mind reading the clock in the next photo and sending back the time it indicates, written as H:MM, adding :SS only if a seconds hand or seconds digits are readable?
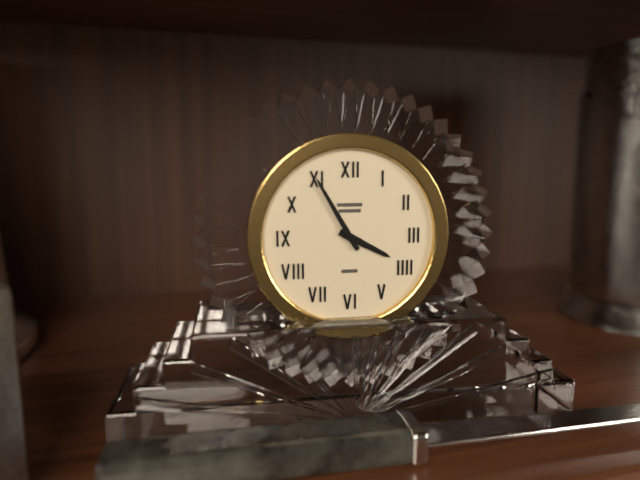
3:55
